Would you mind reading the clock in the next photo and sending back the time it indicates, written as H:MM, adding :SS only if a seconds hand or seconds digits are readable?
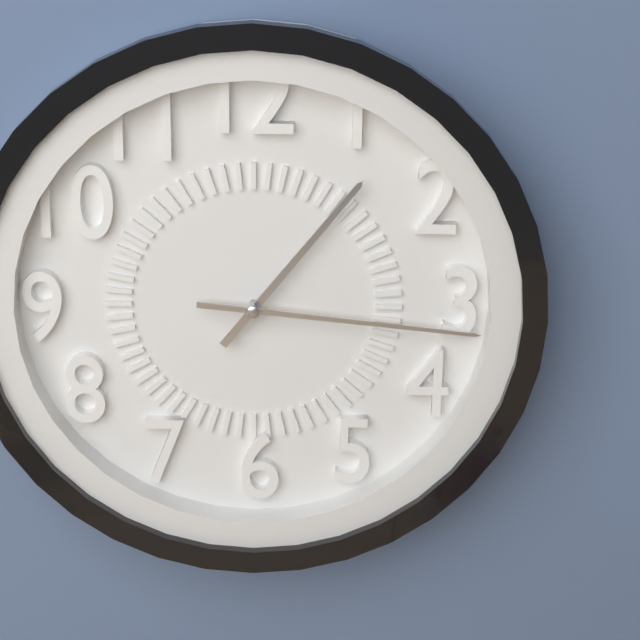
1:16
